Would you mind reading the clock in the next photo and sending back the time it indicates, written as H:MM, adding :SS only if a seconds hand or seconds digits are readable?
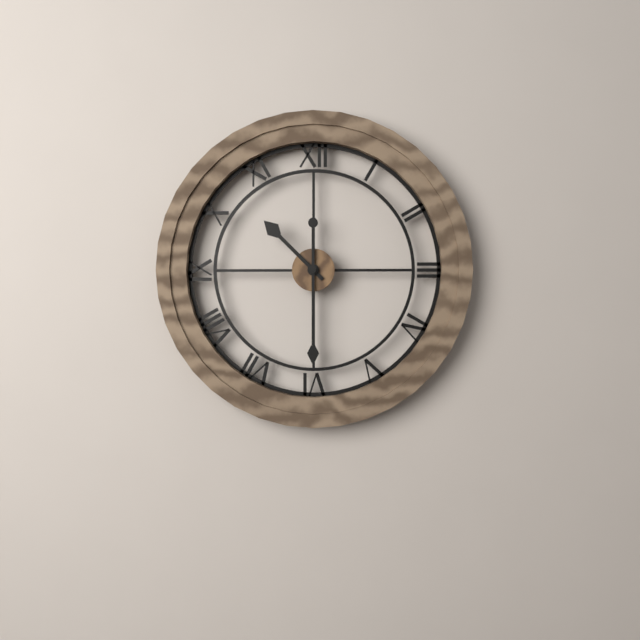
10:30
